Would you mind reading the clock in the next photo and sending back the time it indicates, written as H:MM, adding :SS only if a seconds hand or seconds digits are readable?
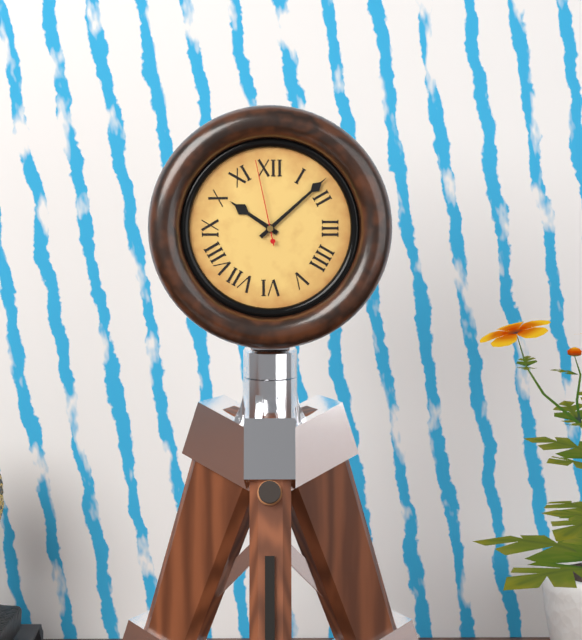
10:08:58
